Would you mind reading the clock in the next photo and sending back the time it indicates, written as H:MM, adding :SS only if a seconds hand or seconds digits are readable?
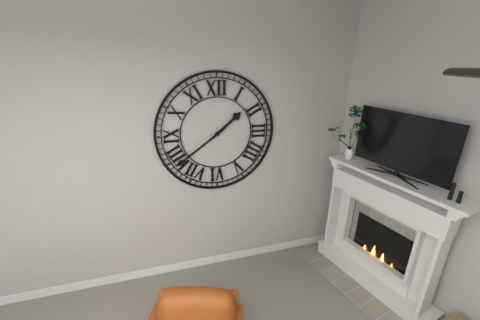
1:39
